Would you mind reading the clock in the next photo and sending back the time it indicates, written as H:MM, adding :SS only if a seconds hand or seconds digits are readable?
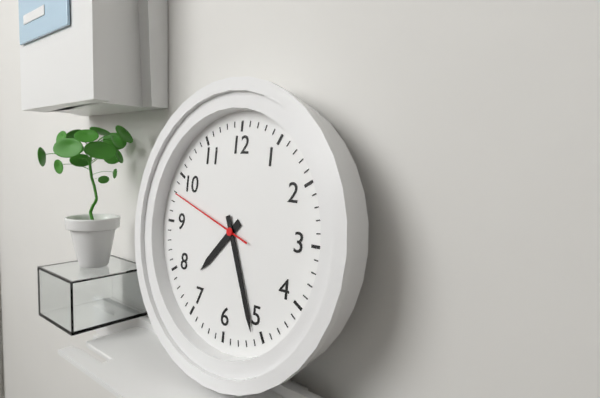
7:26:48
